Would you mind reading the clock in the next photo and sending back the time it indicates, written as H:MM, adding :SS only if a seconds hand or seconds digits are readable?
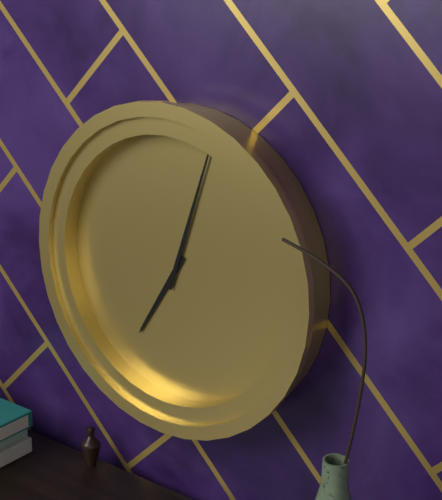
7:03
